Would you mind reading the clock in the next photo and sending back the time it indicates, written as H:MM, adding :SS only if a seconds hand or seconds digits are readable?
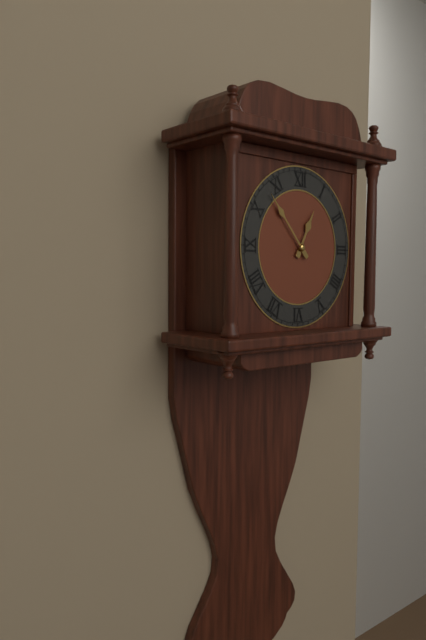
12:53
